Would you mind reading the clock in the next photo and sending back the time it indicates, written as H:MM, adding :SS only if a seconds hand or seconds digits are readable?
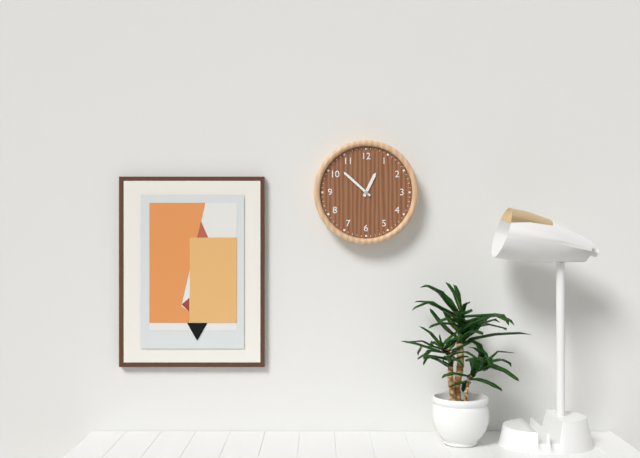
12:52
